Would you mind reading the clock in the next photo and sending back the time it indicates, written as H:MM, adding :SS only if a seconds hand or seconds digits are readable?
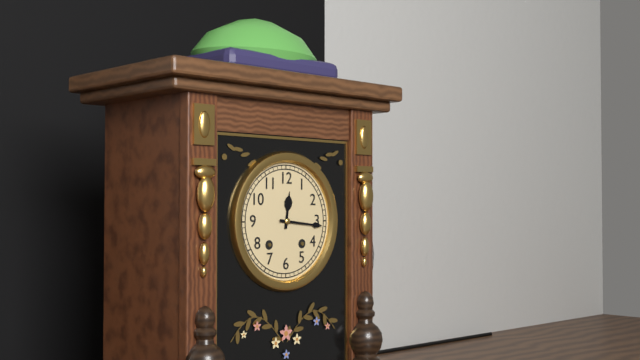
12:16
